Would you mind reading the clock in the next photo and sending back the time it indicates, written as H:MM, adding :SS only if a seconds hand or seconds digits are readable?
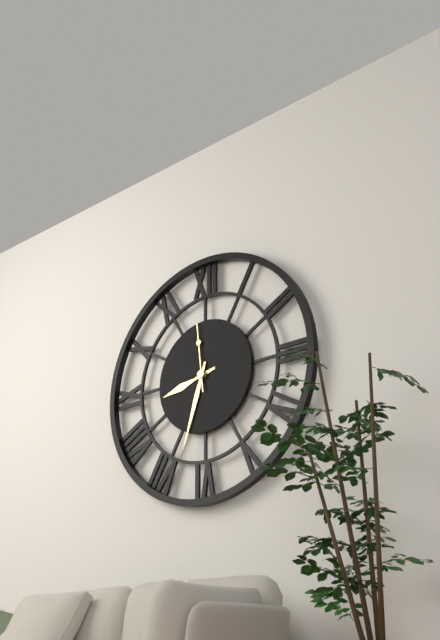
8:33:59
